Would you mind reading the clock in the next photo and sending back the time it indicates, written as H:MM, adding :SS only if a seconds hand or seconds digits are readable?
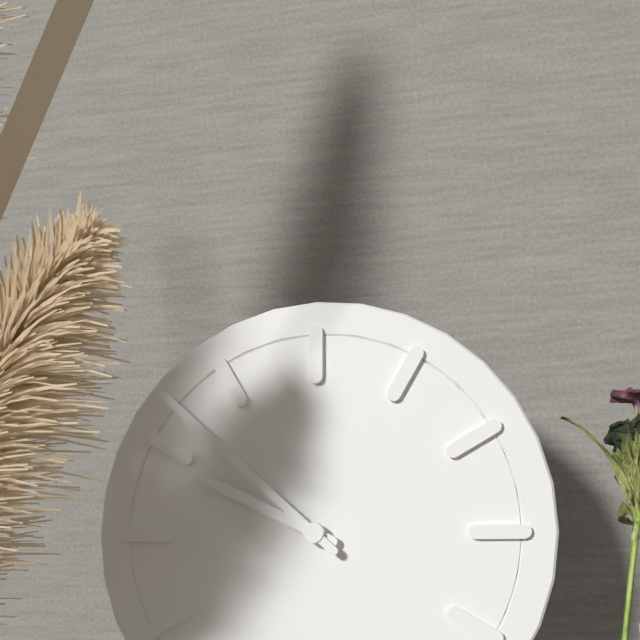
9:52
